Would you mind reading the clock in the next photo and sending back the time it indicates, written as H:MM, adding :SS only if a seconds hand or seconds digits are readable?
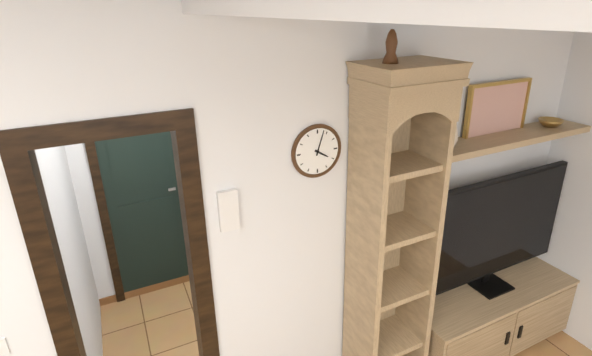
4:03
